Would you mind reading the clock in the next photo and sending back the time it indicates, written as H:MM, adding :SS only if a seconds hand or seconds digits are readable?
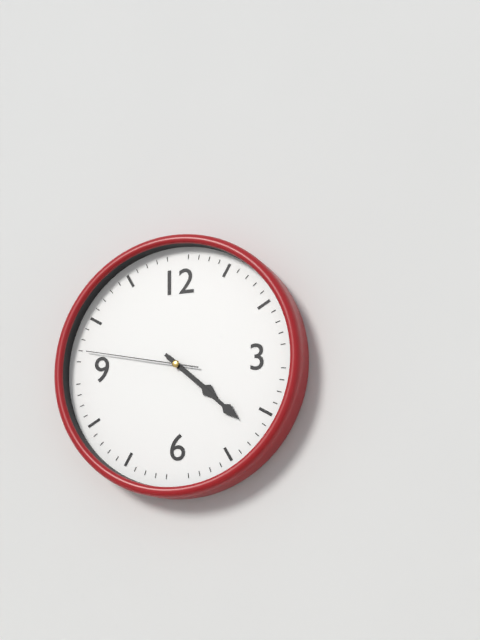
4:22:47
